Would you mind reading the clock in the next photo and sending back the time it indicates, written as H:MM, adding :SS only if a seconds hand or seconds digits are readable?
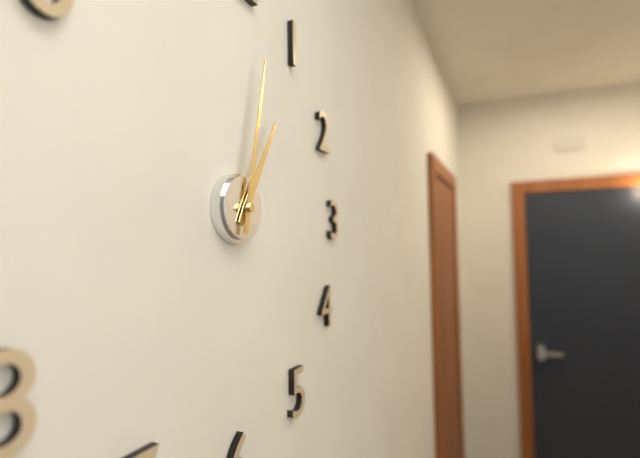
1:02
